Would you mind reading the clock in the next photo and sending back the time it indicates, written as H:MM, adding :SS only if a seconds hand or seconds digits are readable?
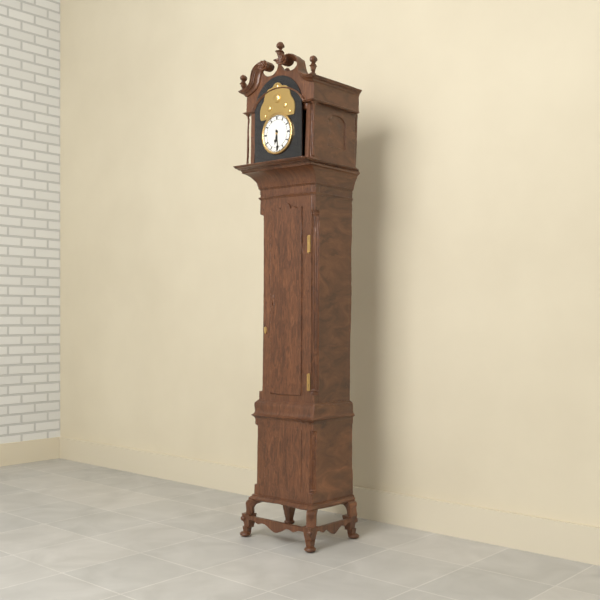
6:29
